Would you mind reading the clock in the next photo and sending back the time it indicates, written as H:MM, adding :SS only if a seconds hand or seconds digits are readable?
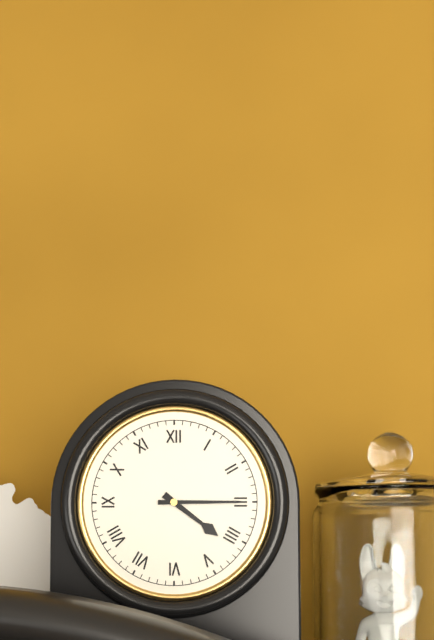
4:15
